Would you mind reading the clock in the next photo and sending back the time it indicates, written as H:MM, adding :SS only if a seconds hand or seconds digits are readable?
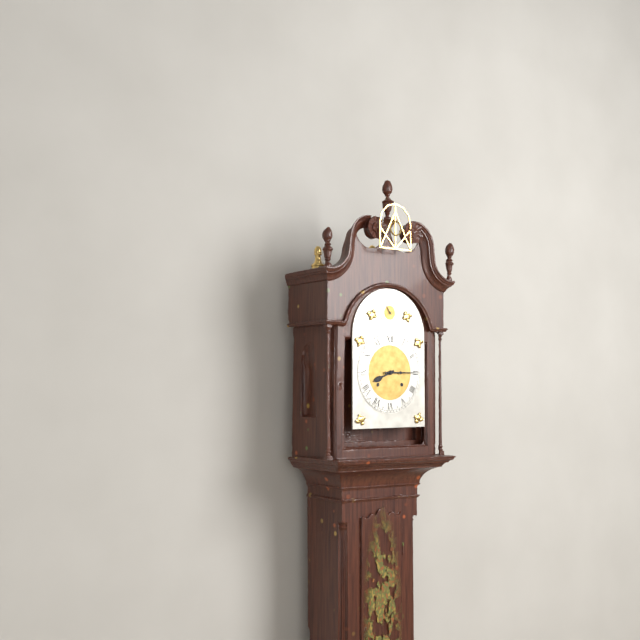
8:15
